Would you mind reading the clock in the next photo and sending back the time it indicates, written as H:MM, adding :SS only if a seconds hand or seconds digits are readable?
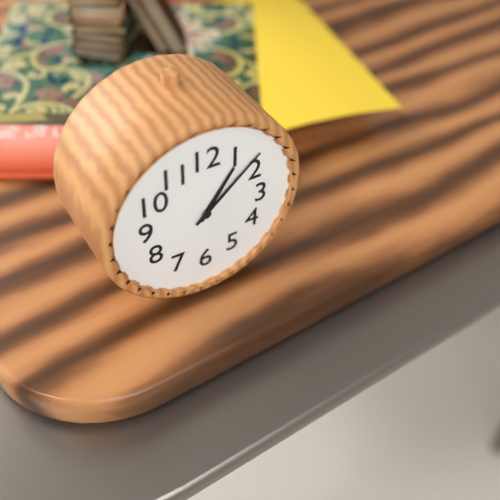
1:08
